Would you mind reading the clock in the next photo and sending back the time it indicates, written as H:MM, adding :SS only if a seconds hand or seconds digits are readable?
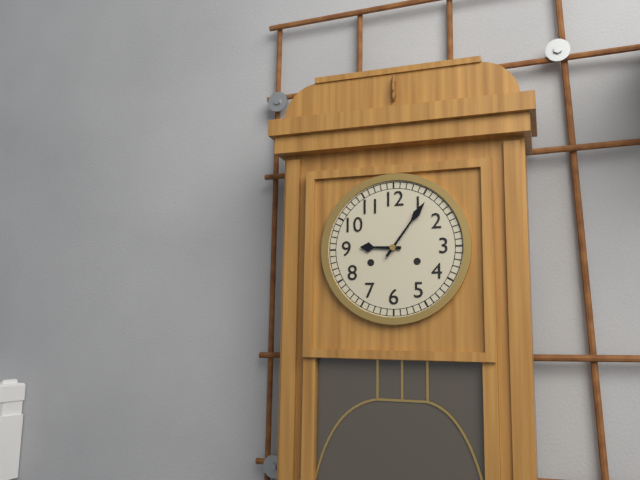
9:06
